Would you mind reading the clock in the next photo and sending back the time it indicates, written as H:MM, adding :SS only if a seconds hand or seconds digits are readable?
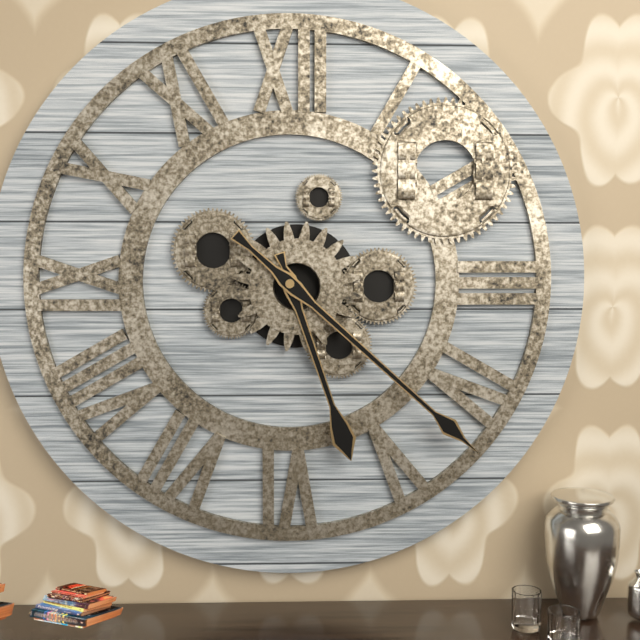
5:22
